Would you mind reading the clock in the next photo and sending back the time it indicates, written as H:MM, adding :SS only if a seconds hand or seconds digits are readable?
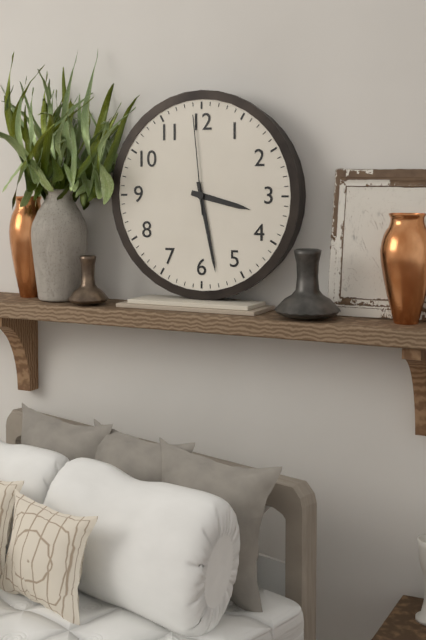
3:28:59
